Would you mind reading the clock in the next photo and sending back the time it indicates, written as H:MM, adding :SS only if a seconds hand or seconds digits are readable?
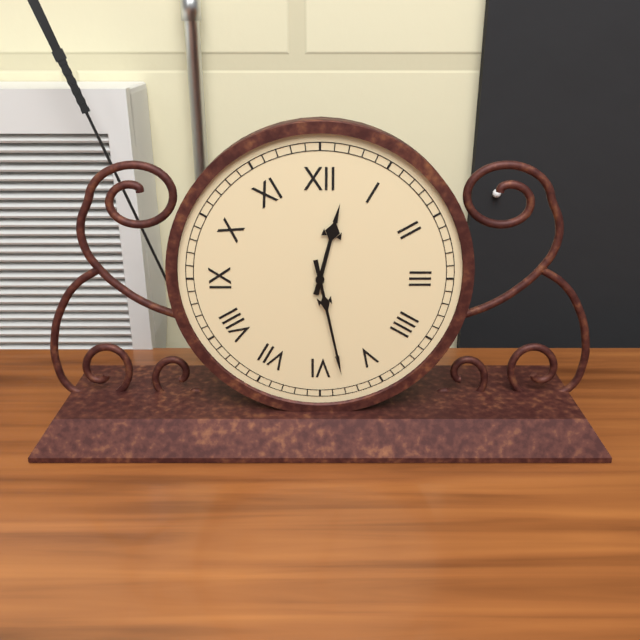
12:28
